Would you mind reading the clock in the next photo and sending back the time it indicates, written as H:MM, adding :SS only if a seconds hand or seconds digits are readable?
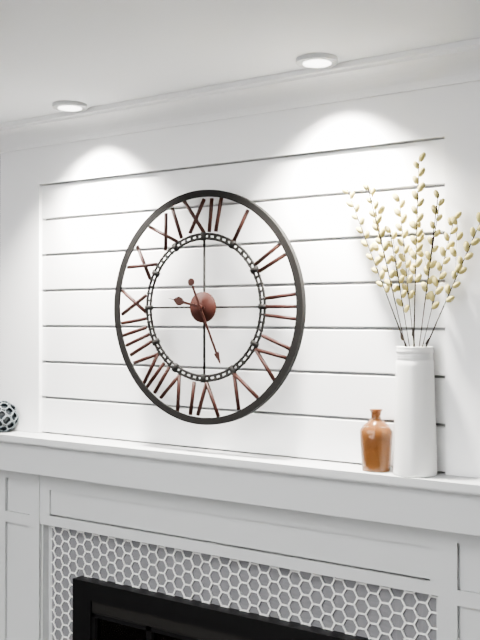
9:26
